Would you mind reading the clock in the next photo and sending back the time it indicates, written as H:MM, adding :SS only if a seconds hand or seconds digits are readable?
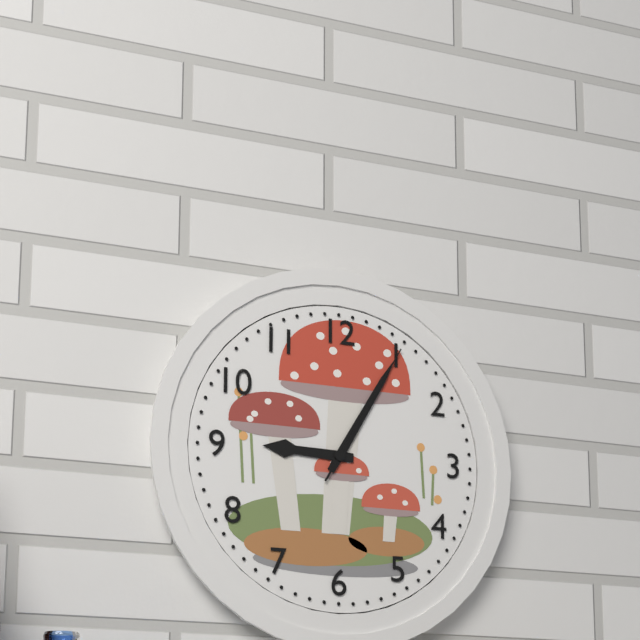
9:05:05
